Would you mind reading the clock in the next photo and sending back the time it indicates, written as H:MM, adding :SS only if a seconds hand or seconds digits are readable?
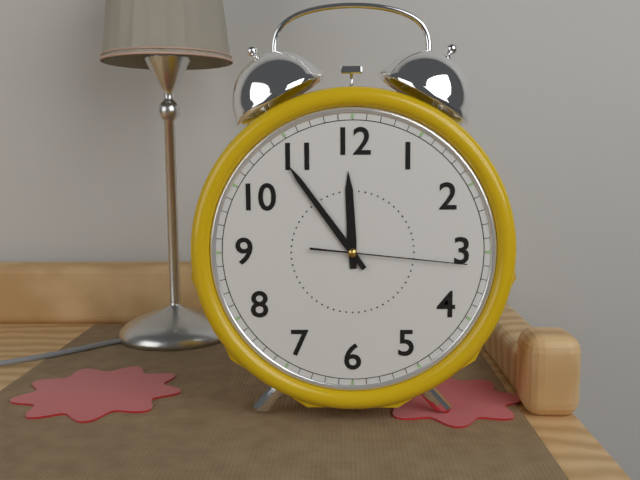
11:54:16
